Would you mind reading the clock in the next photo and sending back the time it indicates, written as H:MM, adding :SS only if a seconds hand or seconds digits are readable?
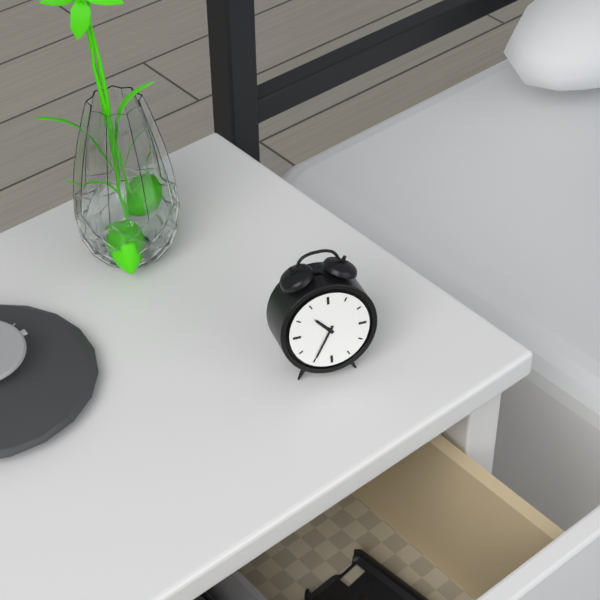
10:35
